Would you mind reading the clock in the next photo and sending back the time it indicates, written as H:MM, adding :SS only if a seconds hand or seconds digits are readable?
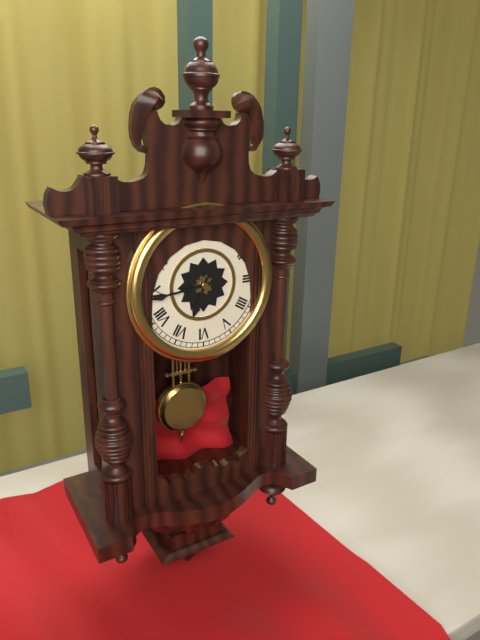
6:44
